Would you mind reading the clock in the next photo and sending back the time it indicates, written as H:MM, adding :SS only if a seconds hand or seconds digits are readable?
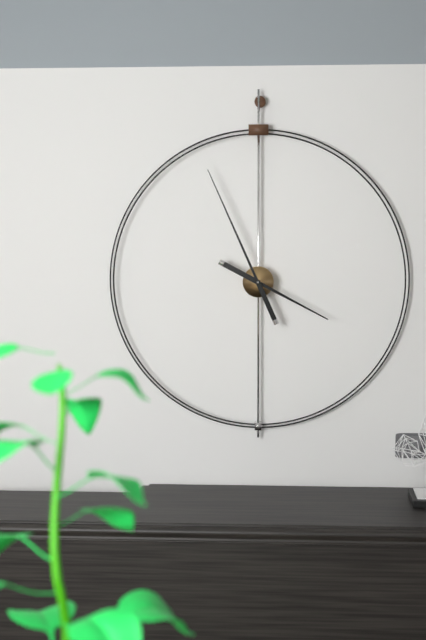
3:56
